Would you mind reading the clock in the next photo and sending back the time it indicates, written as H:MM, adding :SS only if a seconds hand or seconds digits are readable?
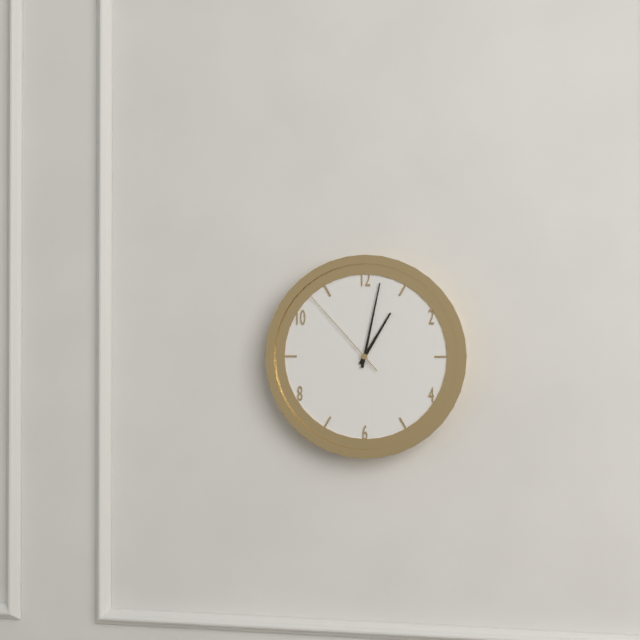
1:02:53
